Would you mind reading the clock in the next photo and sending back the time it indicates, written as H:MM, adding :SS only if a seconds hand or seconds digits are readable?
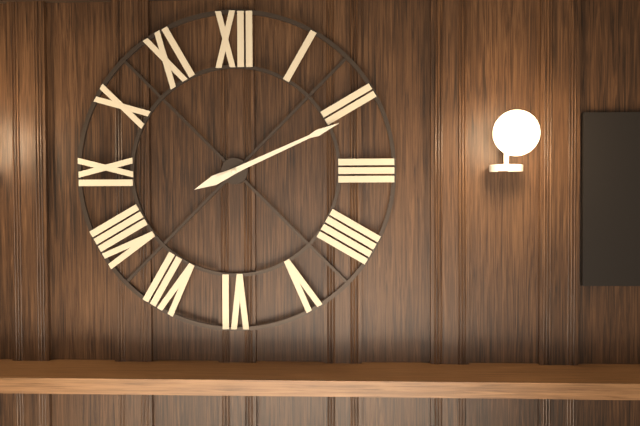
8:11
